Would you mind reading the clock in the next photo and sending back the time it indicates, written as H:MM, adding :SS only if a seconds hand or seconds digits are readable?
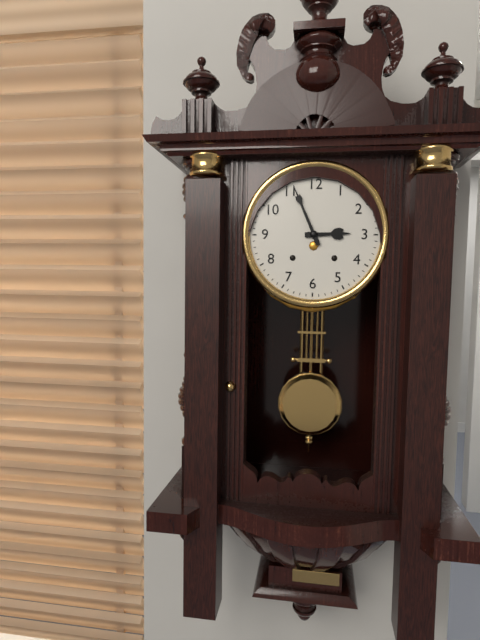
2:56
